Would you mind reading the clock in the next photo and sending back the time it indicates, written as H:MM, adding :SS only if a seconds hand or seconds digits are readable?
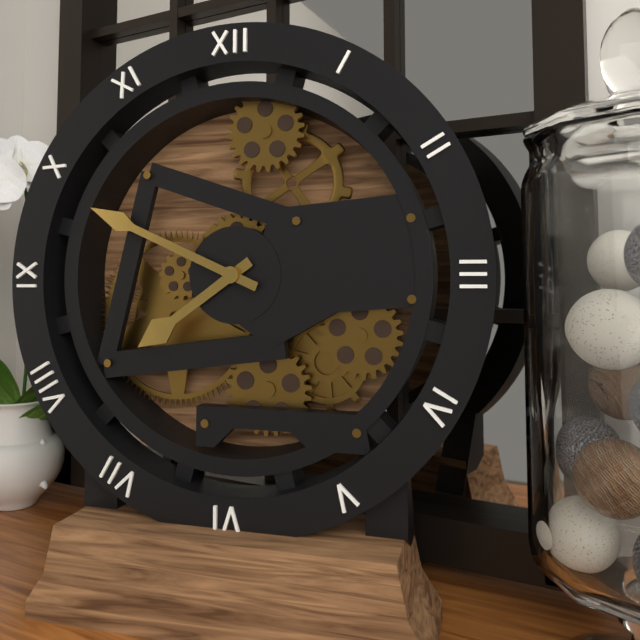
7:49
